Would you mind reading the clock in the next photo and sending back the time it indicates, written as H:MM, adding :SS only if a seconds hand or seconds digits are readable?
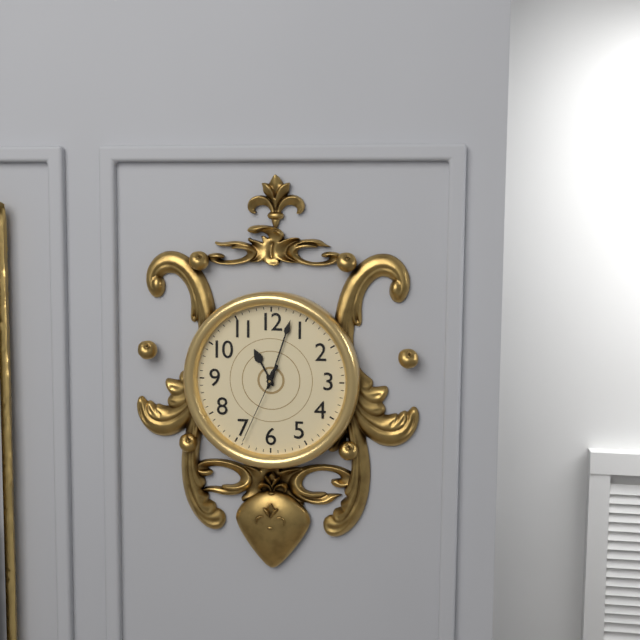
11:03:34
